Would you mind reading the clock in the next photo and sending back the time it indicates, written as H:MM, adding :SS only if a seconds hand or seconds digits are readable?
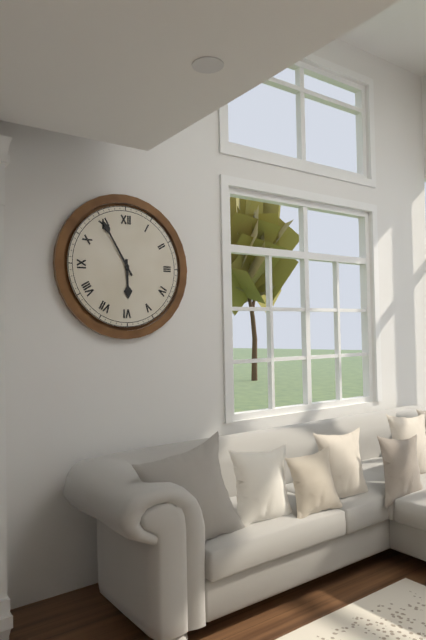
5:55
